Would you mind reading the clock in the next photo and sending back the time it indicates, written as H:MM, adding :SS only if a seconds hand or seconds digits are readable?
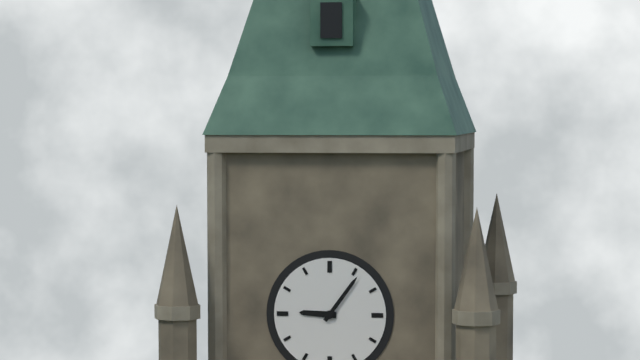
9:06
